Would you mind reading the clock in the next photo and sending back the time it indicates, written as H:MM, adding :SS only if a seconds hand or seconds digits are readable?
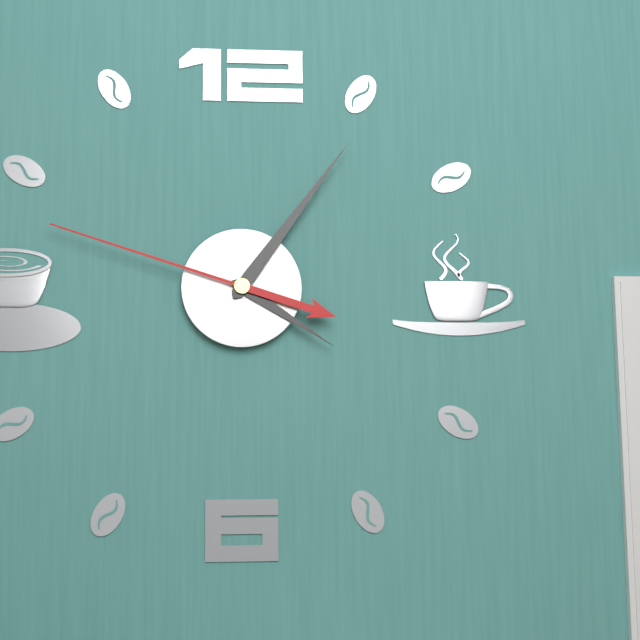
4:06:48
